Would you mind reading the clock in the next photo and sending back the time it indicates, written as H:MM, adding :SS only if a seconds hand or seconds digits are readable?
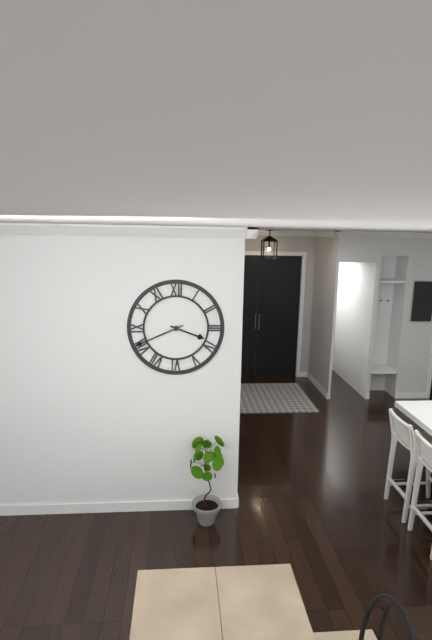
3:41
